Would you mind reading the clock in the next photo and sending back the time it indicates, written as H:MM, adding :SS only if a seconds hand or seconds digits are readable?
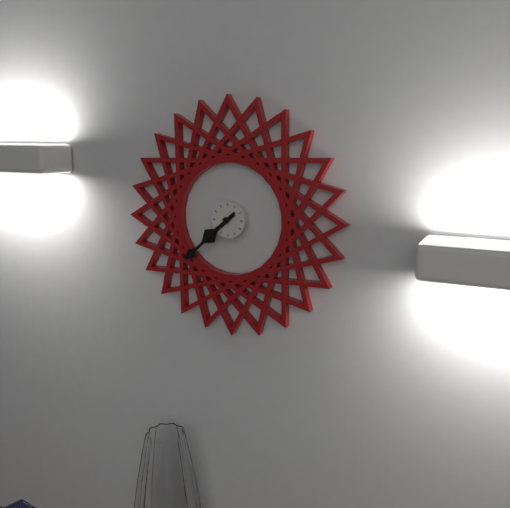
7:38
